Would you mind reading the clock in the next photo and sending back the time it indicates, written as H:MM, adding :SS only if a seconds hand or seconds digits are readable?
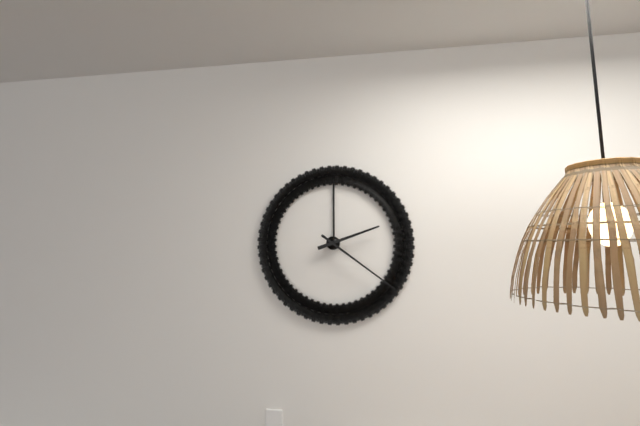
2:21
